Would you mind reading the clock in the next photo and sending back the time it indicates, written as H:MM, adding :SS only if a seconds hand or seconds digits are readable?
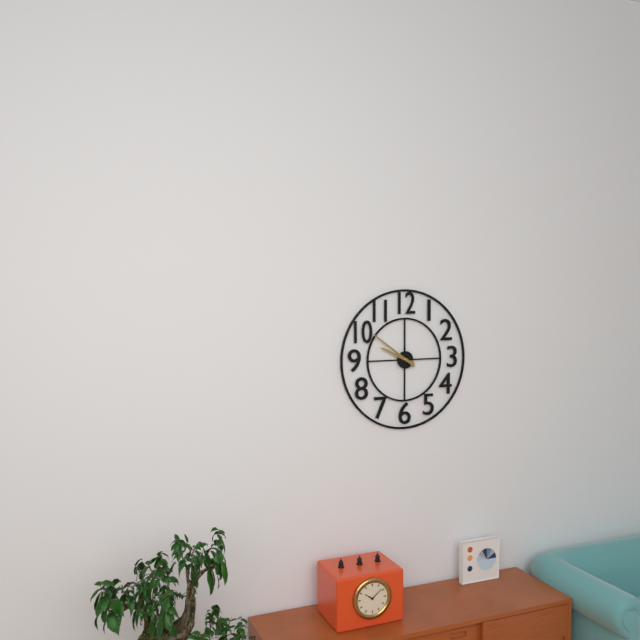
9:51
